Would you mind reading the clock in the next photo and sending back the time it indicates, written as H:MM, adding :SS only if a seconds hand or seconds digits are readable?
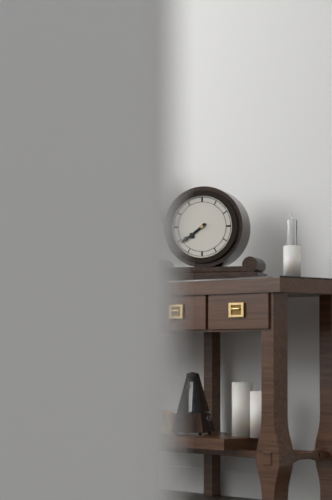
7:39
